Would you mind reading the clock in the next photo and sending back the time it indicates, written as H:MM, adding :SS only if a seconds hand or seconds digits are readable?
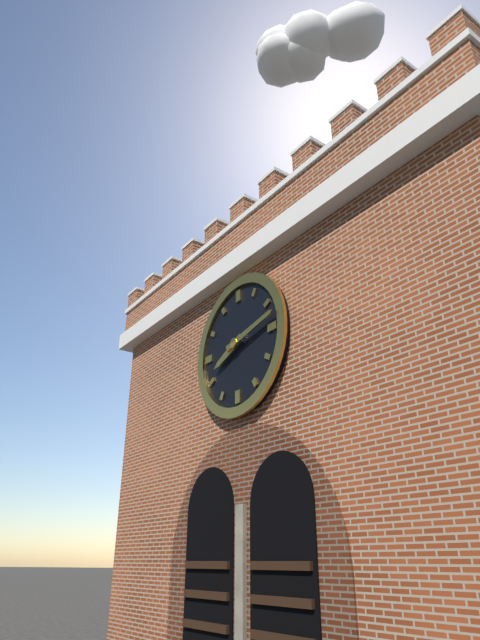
8:13
